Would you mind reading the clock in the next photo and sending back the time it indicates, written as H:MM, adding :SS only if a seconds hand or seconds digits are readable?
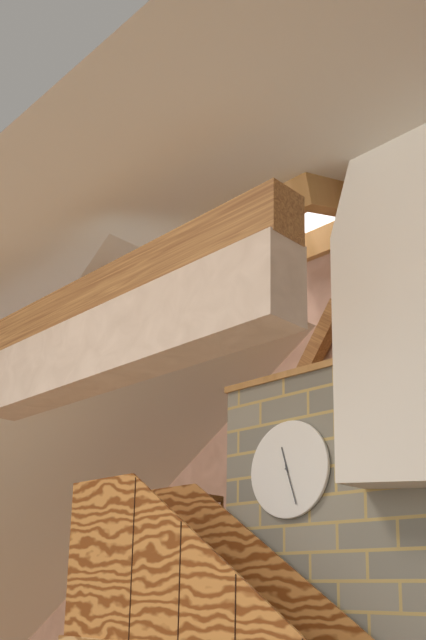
11:27
